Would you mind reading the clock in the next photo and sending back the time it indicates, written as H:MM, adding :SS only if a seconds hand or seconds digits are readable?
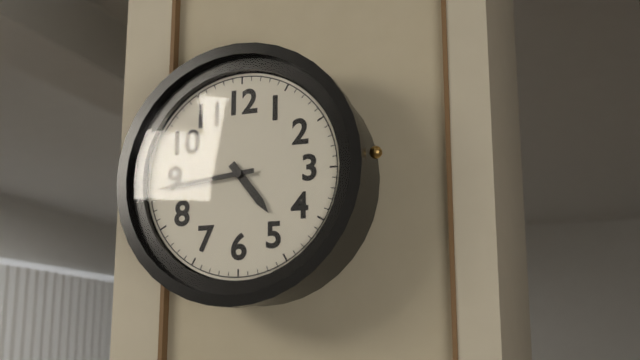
4:44
